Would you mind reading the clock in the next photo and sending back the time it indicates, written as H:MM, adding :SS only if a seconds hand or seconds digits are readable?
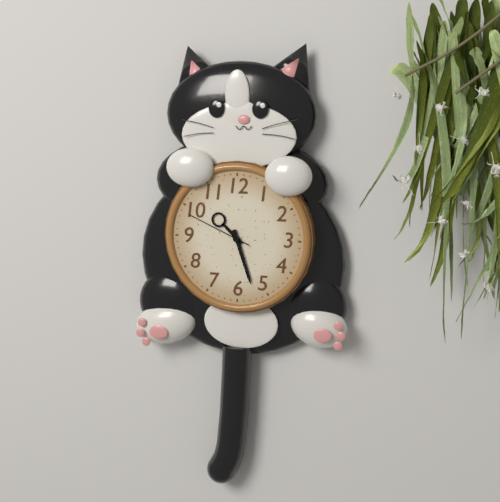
10:27:49
